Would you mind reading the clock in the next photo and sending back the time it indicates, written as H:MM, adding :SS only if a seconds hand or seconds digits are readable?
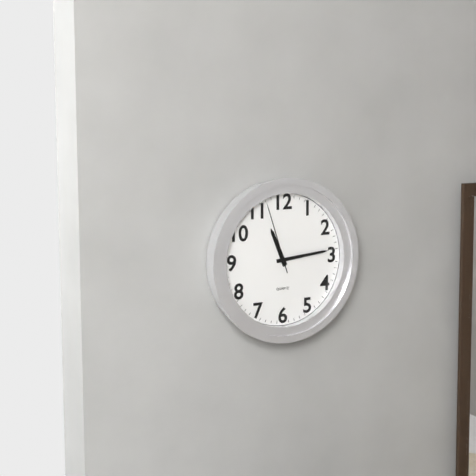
11:14:57
